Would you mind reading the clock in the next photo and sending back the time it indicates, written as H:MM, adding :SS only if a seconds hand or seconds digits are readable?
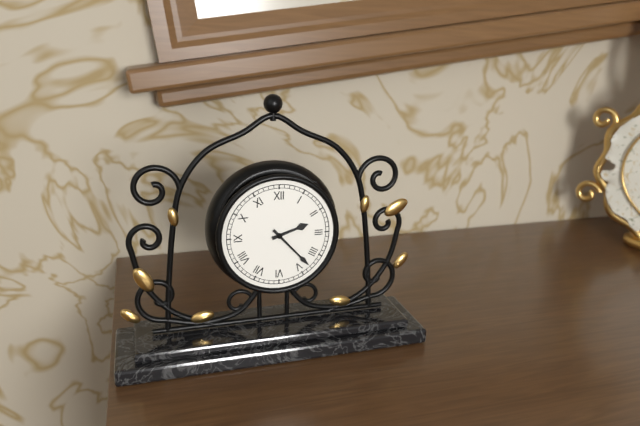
2:23
